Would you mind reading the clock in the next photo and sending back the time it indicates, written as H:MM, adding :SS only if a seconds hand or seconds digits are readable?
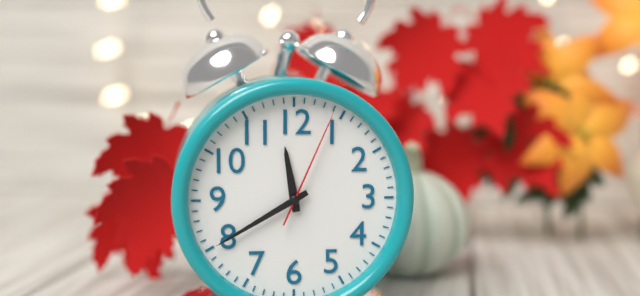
11:40:04
